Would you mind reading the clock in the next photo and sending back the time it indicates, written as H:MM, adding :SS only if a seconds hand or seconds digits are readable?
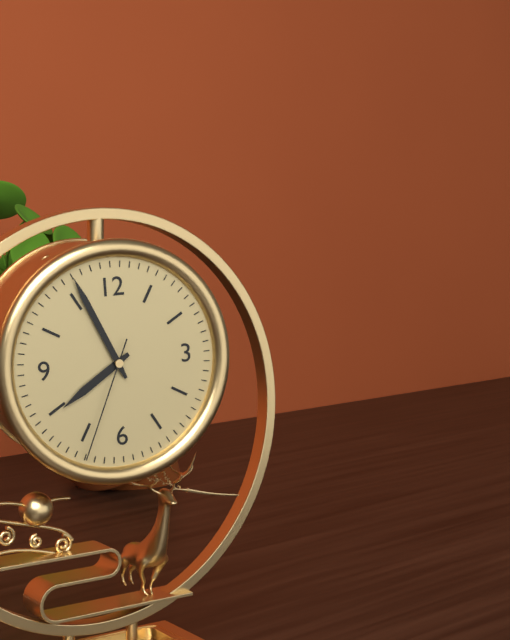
7:56:34
